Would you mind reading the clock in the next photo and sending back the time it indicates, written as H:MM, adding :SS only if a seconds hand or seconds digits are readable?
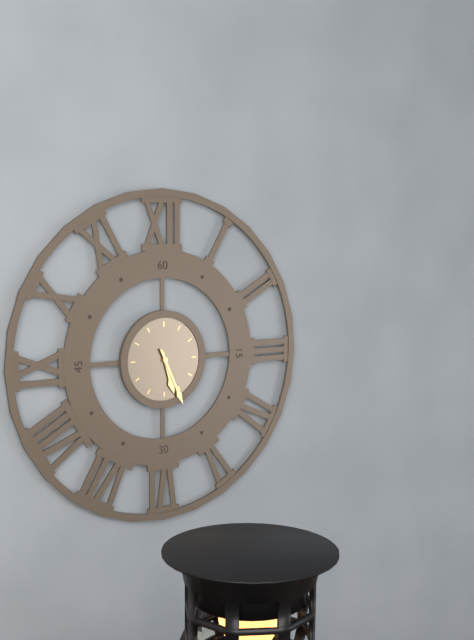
5:26
